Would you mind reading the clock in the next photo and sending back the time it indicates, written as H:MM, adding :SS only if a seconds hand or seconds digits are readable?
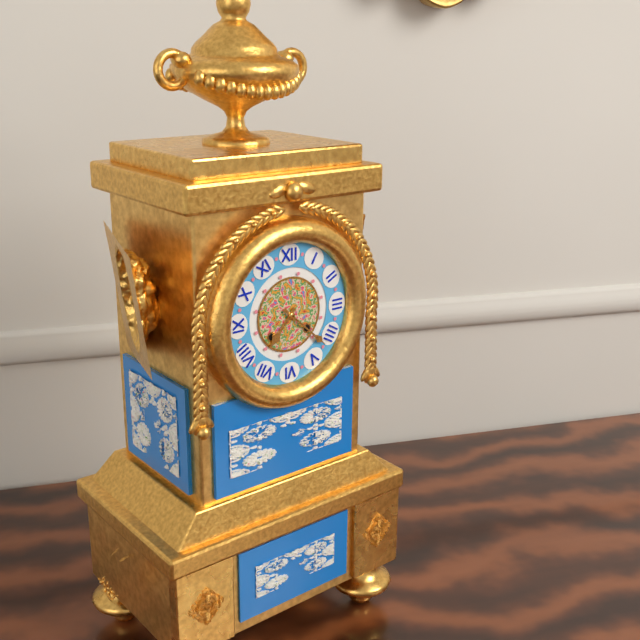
7:22
